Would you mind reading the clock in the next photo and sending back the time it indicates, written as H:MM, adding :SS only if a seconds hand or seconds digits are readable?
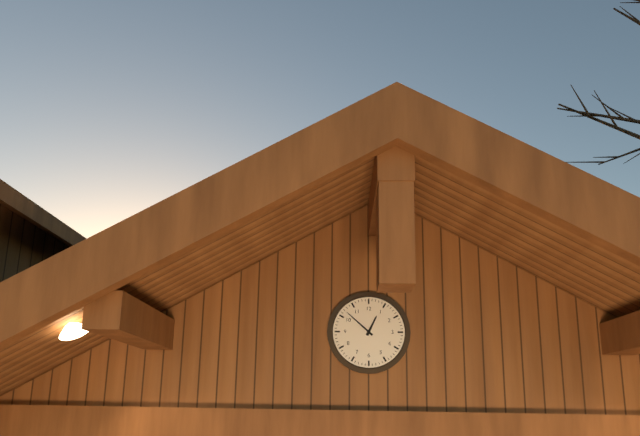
12:52
